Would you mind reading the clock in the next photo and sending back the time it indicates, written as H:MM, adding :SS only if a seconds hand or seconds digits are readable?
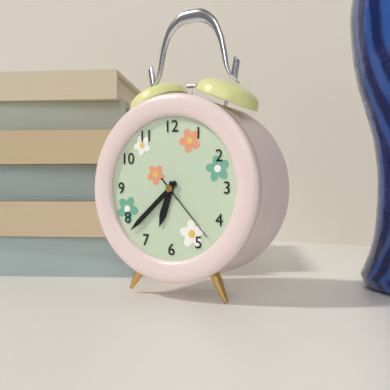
6:38:23
